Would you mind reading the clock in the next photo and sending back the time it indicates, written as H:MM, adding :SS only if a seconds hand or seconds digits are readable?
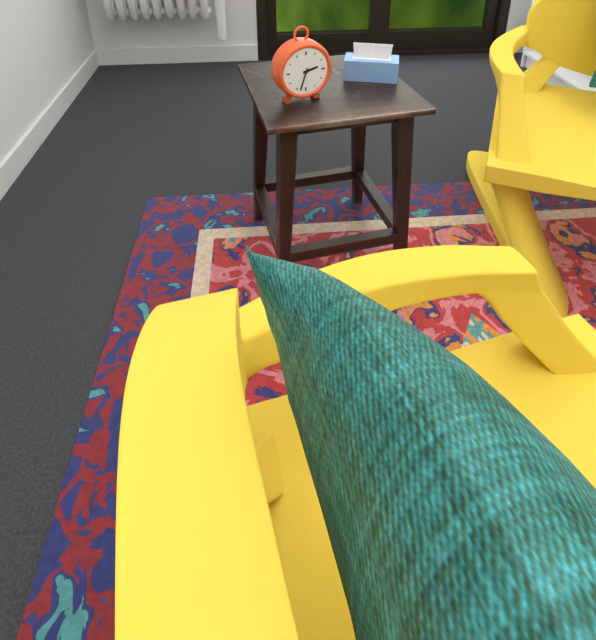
2:33
